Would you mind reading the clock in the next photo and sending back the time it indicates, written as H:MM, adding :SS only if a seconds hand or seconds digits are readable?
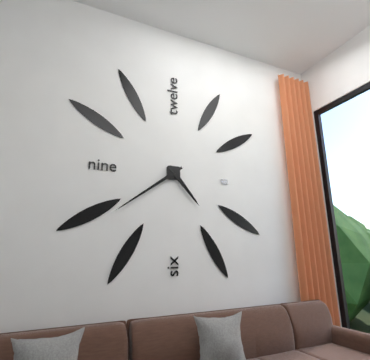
4:39
